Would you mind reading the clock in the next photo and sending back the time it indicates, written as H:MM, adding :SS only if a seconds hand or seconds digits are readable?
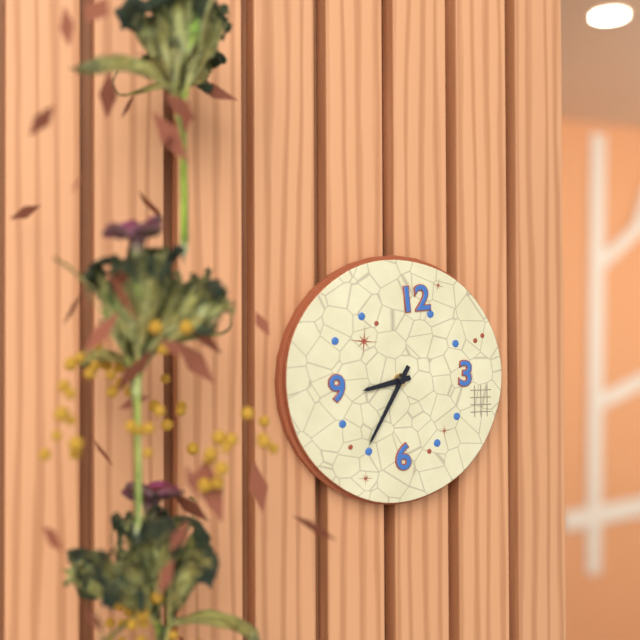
8:35
